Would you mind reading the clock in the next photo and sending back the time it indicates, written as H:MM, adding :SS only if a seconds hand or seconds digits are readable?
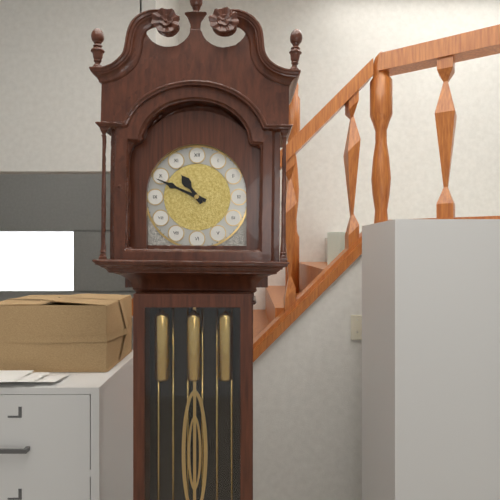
10:49
